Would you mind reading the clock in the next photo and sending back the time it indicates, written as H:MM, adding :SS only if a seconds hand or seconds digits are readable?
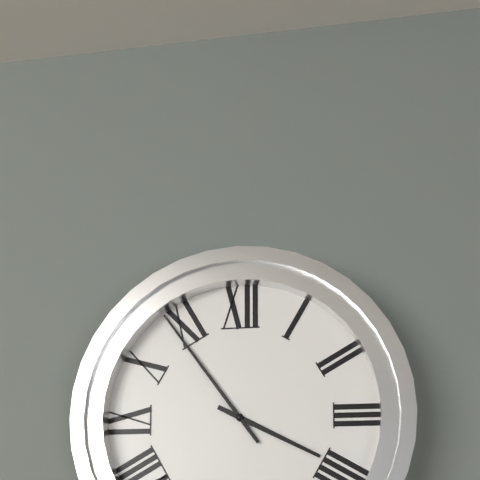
3:54
